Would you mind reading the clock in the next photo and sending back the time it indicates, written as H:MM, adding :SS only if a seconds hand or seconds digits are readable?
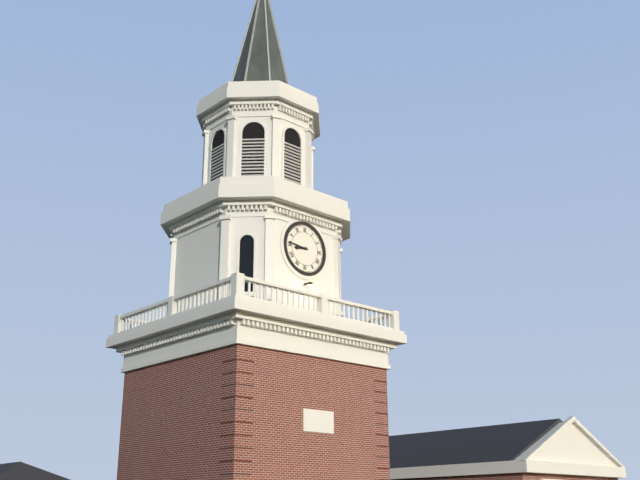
8:46
